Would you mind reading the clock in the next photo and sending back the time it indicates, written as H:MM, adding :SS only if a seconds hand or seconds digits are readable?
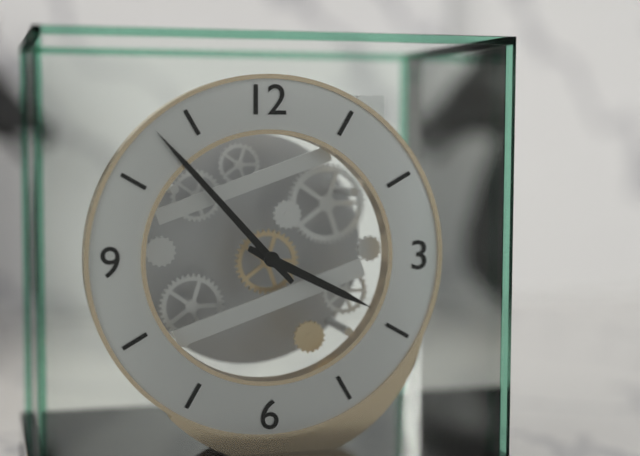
3:53
